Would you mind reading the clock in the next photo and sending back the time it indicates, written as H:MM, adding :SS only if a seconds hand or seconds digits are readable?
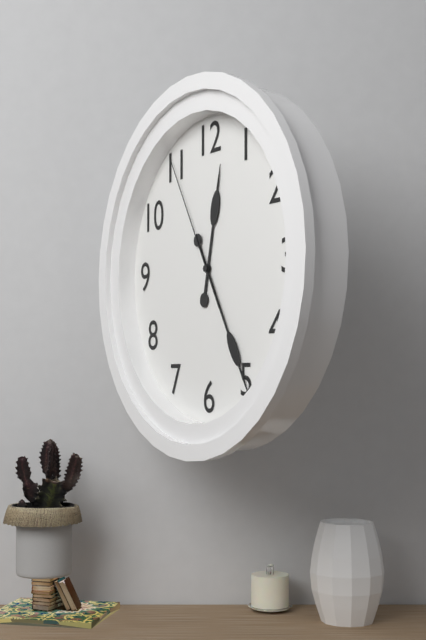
12:25:55
